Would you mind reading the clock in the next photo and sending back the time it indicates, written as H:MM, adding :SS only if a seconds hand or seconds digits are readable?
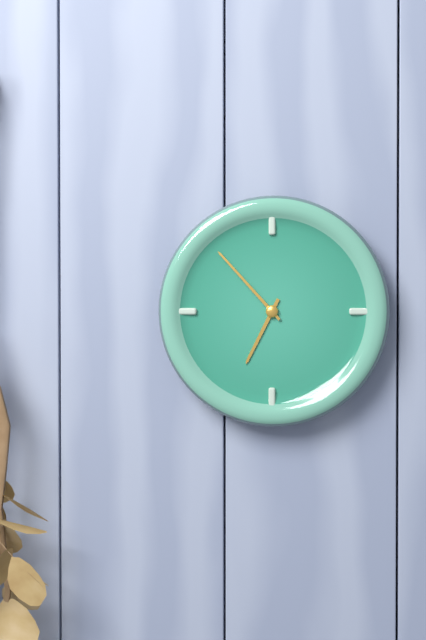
6:53
